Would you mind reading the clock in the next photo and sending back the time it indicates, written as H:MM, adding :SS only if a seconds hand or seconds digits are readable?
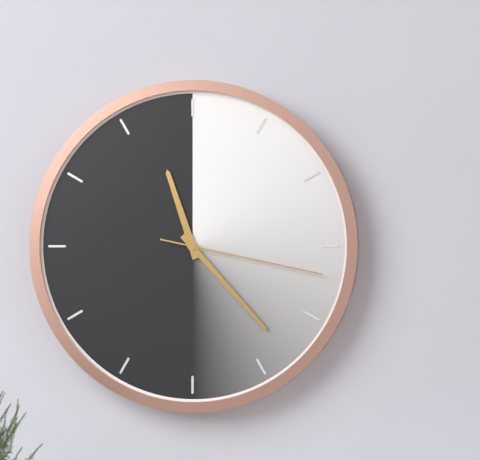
11:23:17
